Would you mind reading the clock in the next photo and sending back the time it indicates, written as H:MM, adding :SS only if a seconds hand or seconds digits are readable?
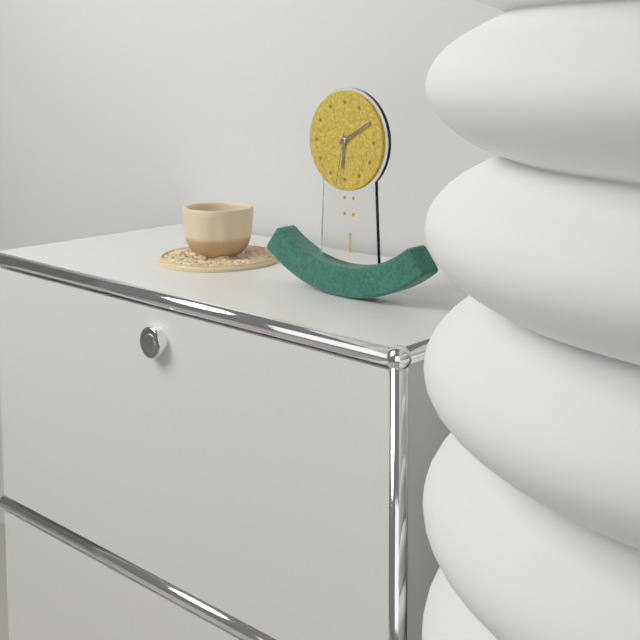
6:10:32
